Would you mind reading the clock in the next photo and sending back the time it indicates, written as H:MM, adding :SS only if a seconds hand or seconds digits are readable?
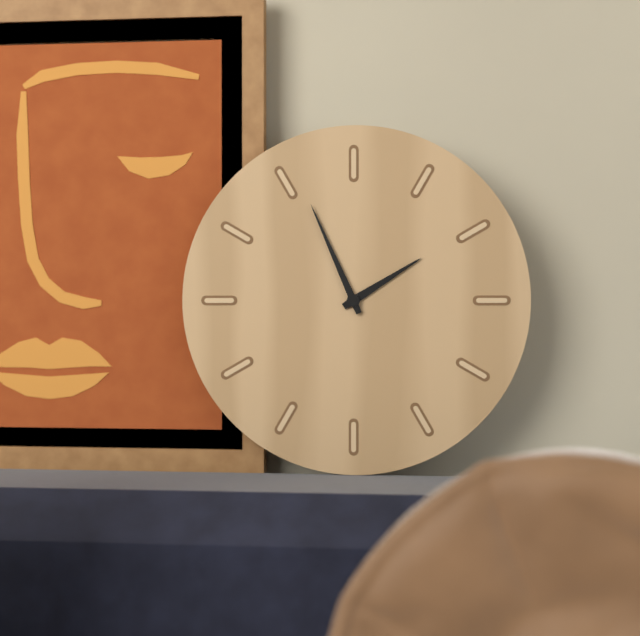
1:56
